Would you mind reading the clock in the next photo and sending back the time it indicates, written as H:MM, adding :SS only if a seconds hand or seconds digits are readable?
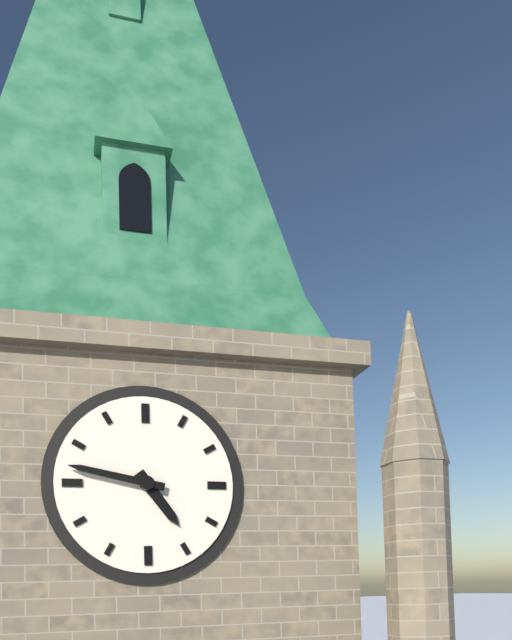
4:47
